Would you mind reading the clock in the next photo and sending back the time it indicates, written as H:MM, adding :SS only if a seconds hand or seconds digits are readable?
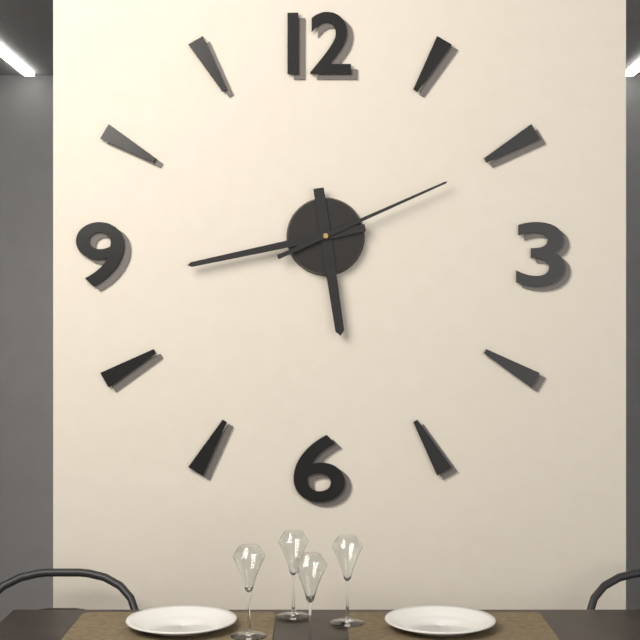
5:43:11
